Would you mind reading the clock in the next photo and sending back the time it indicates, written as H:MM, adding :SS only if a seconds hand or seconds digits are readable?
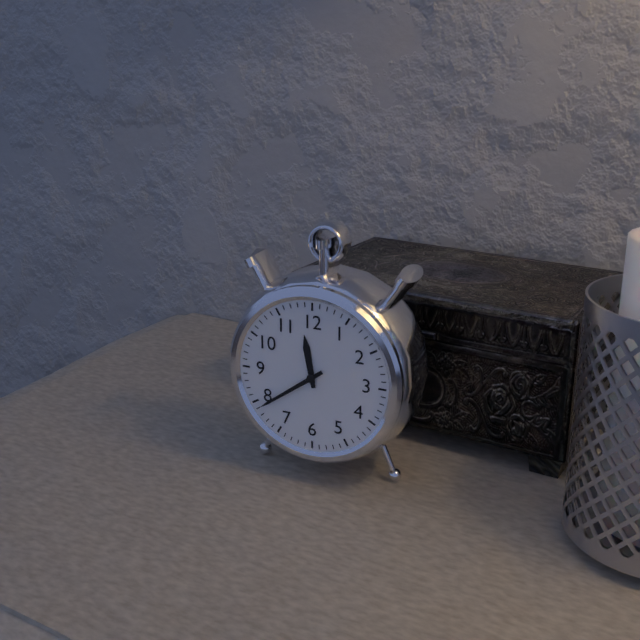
11:39
